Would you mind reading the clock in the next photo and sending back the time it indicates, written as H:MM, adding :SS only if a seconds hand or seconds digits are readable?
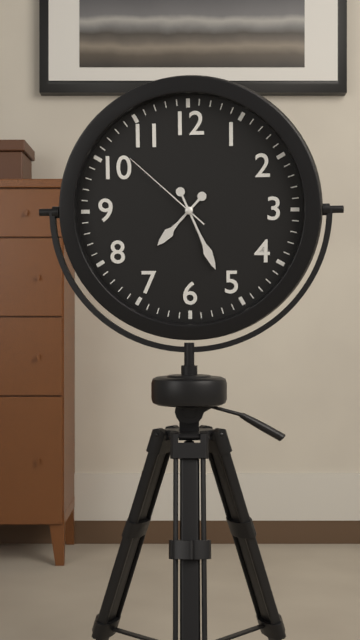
7:26:52
